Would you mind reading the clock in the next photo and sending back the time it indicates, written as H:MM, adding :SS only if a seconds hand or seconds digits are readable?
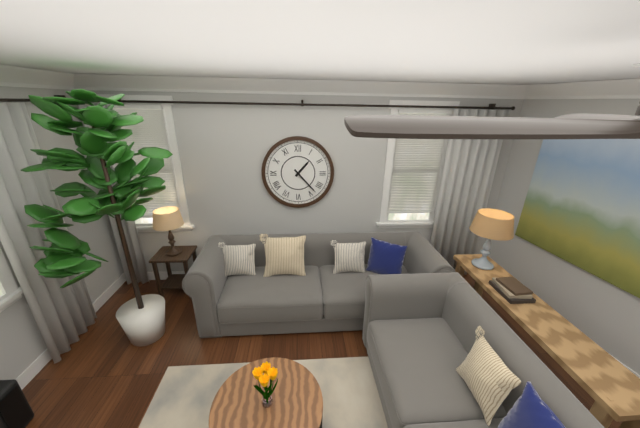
1:23
